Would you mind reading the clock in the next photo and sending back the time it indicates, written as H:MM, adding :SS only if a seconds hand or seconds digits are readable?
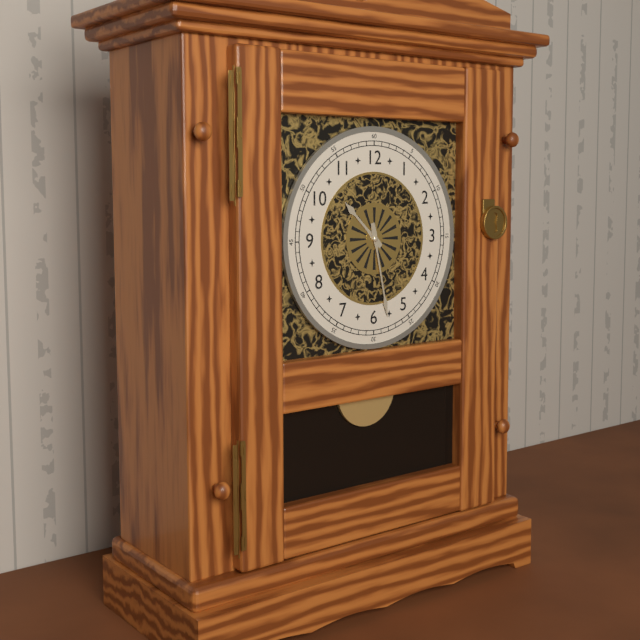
10:28
